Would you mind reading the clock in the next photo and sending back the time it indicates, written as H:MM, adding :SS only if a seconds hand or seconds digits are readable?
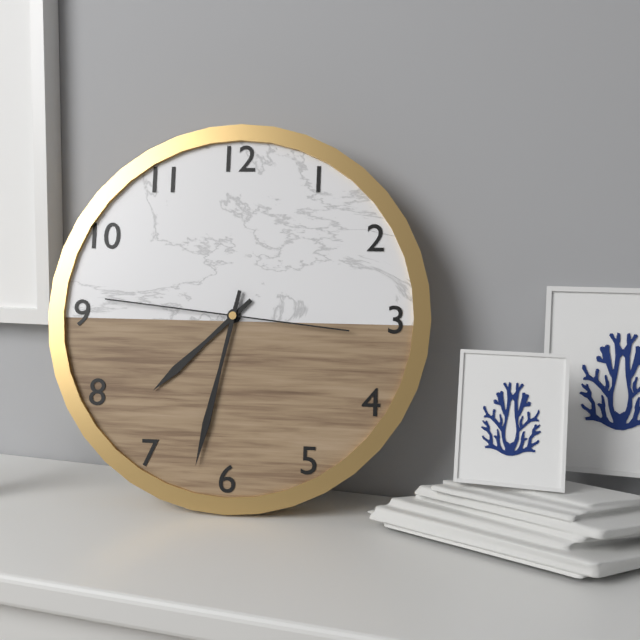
7:32:46
